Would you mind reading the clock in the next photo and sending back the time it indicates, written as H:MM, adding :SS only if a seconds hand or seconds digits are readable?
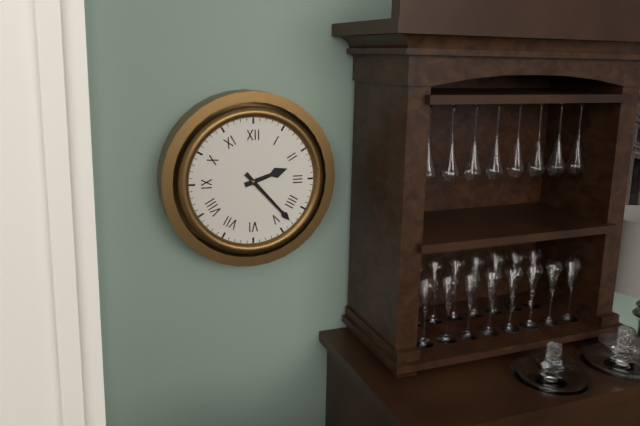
2:23
